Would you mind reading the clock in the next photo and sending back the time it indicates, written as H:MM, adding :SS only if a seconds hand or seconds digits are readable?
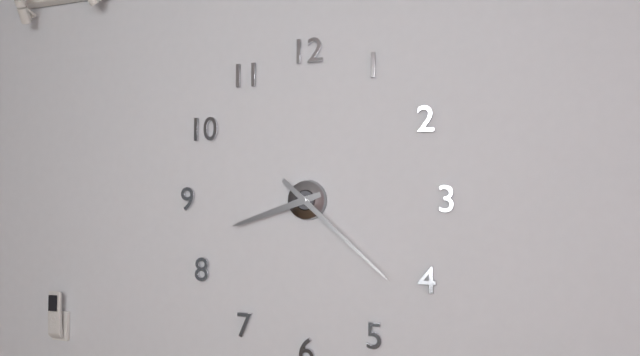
8:22
